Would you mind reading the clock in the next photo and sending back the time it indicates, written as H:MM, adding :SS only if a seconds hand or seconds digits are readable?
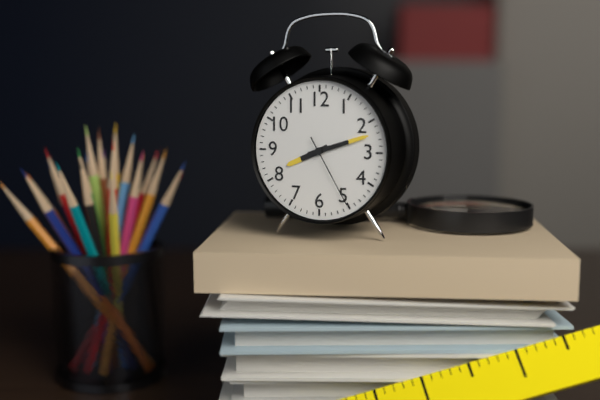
8:12:25
